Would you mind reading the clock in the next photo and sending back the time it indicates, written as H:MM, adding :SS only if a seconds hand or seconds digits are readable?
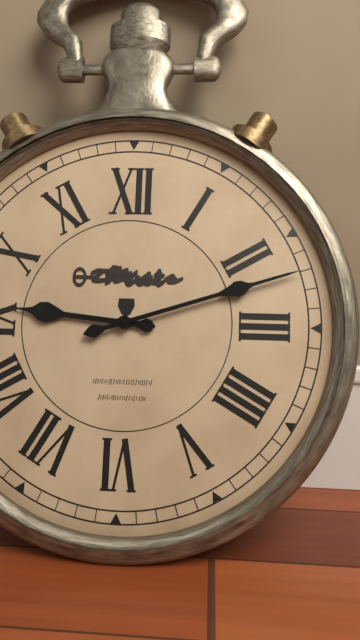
9:12
